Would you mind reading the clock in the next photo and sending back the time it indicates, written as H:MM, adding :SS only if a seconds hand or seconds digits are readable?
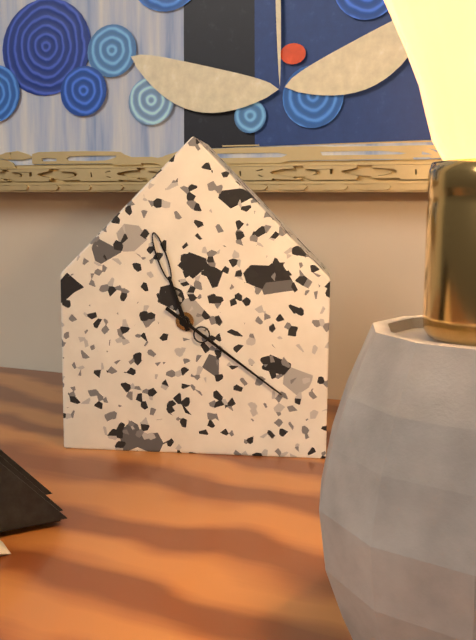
11:21
